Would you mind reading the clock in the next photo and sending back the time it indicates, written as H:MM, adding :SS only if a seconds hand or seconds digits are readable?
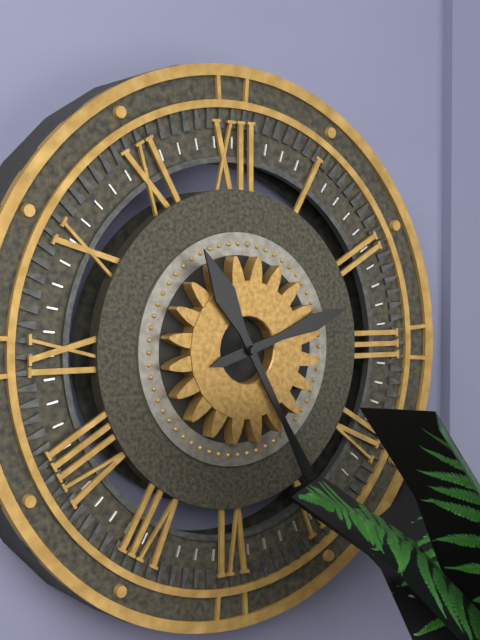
2:25
